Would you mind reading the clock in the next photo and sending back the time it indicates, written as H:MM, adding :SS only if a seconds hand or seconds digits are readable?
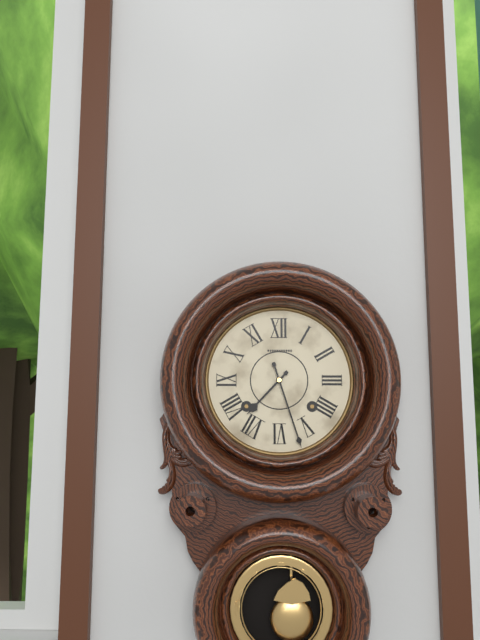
7:27
